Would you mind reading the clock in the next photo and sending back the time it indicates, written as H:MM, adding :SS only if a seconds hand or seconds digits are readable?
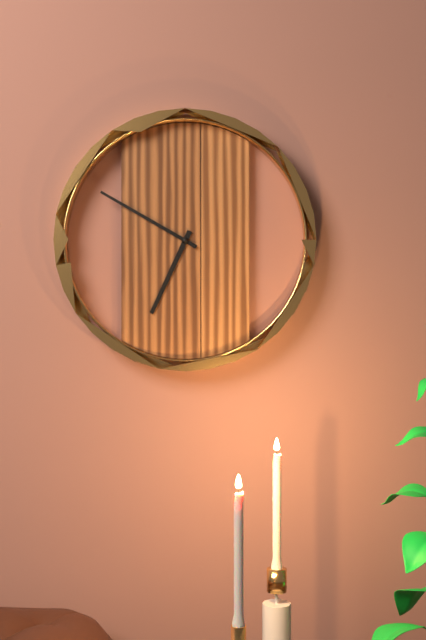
6:50
